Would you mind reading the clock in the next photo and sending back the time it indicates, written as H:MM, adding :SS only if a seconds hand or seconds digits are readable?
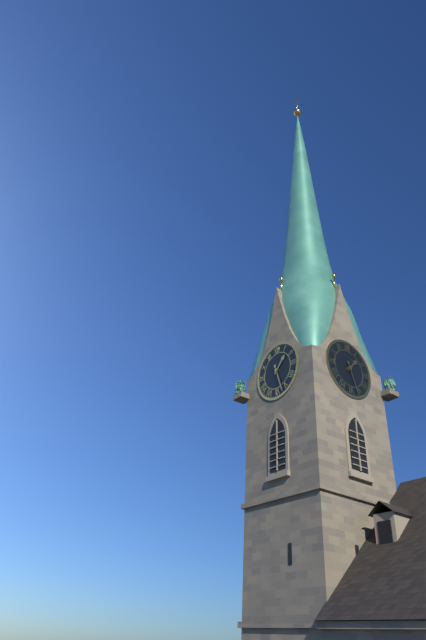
1:27
